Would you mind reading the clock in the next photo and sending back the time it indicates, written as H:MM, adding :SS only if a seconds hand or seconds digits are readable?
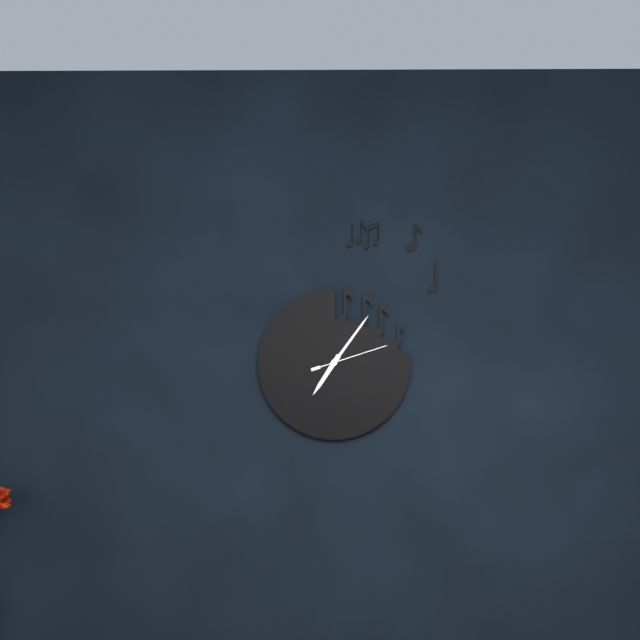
7:06:12
